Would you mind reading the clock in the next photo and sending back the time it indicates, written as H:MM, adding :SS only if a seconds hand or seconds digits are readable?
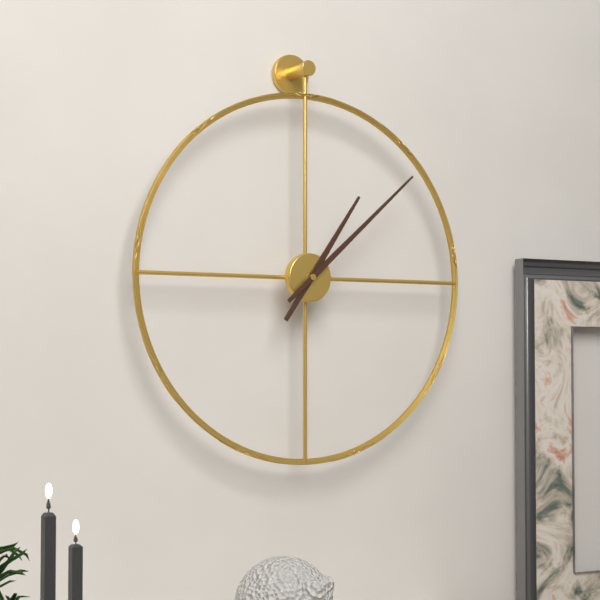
1:08
